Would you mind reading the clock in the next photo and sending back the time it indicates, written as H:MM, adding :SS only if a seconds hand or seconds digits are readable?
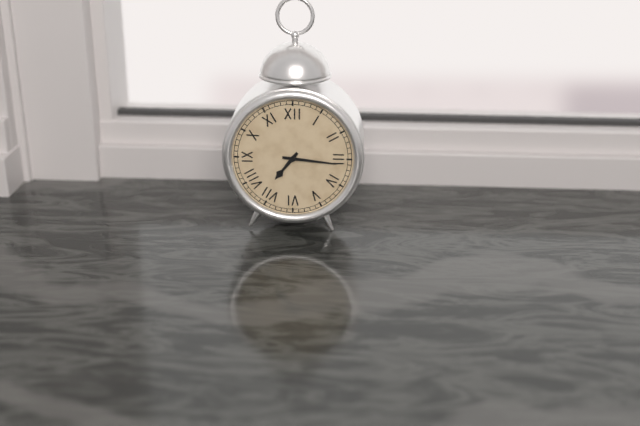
7:16
